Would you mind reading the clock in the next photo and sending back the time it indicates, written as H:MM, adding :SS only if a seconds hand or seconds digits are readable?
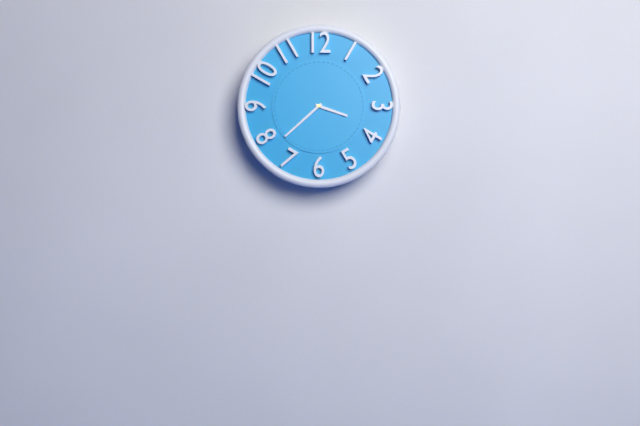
3:38
